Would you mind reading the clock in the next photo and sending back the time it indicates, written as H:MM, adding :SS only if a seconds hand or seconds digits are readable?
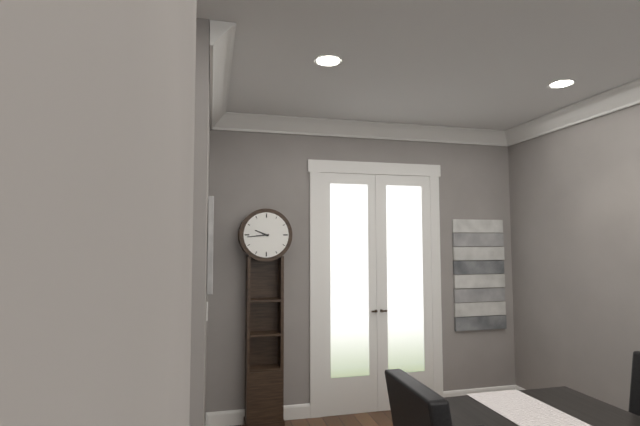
9:44
